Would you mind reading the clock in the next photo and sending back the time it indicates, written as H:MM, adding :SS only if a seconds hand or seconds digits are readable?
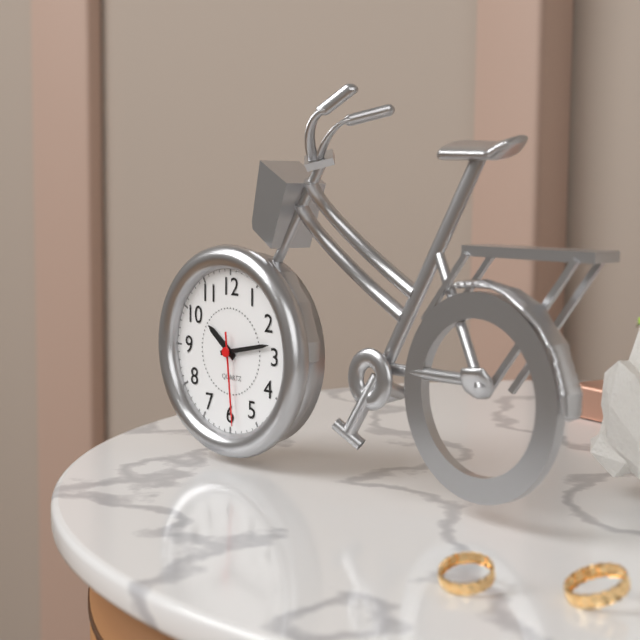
10:13:29
